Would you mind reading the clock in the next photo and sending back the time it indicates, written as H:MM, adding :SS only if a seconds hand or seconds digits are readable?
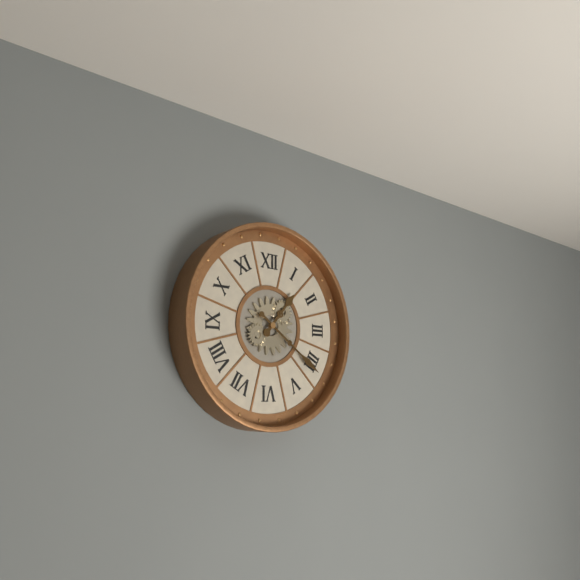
1:21
